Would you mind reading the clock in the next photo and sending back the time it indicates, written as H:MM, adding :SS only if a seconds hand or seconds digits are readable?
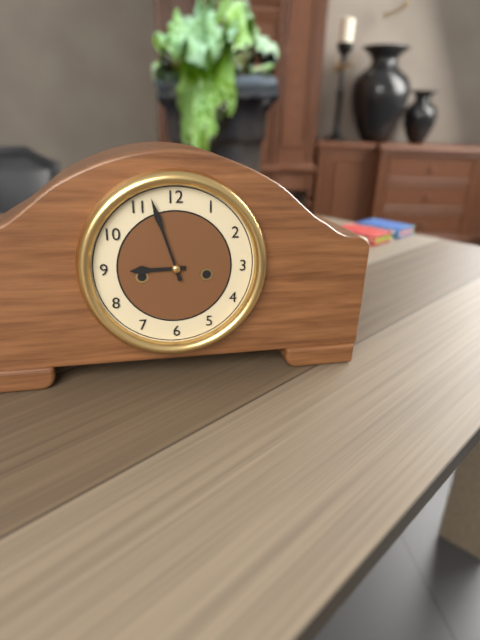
8:57
